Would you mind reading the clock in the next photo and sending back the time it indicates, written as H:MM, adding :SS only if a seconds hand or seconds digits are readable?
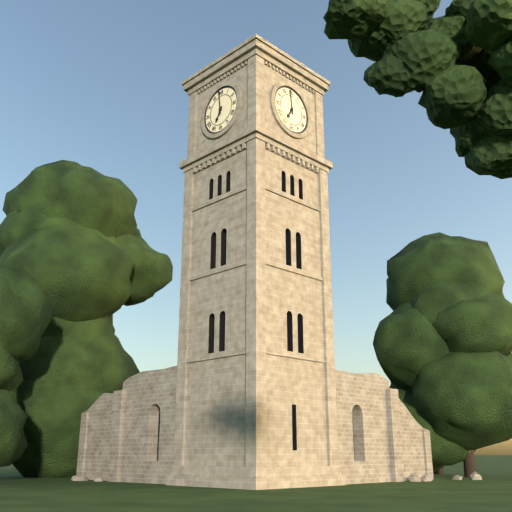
6:59
